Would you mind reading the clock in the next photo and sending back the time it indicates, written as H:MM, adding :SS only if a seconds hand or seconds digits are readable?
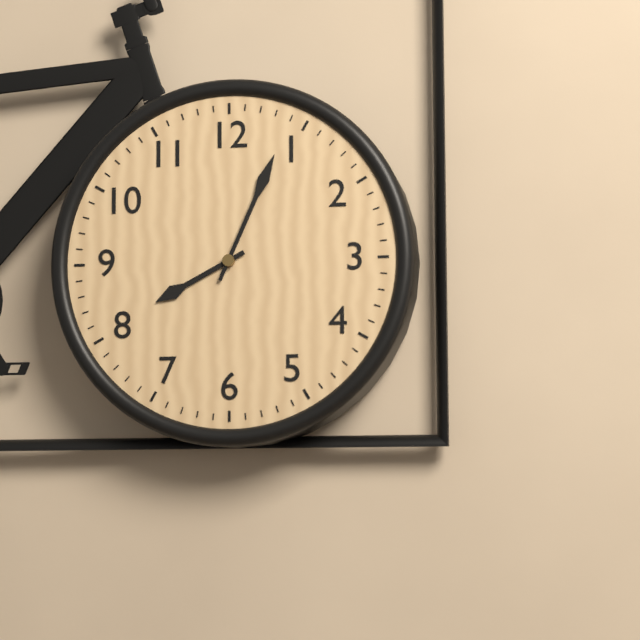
8:04
